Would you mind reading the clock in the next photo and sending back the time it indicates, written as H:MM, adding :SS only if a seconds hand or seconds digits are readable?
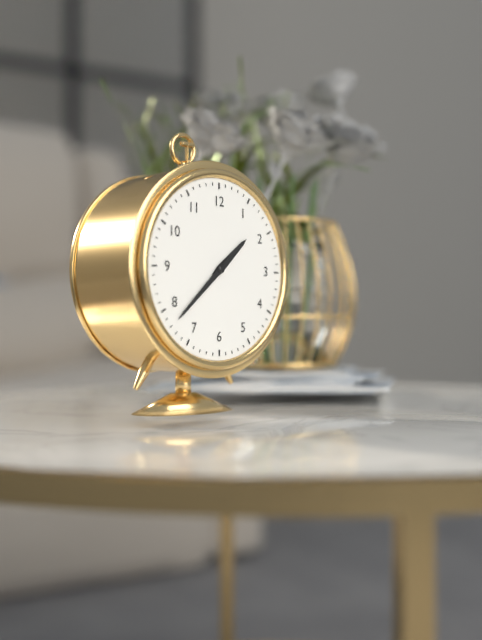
1:38
